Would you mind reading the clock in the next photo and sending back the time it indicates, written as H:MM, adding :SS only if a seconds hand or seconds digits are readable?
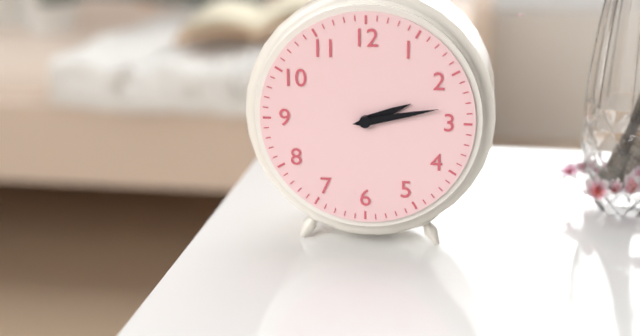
2:13
